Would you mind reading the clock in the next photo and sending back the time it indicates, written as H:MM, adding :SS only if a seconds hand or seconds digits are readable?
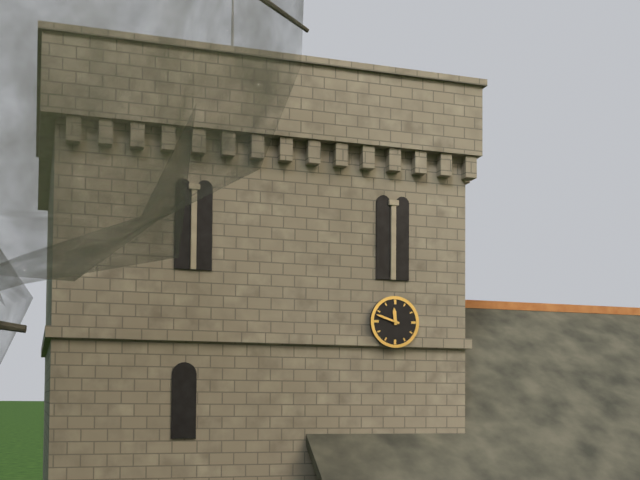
11:48
